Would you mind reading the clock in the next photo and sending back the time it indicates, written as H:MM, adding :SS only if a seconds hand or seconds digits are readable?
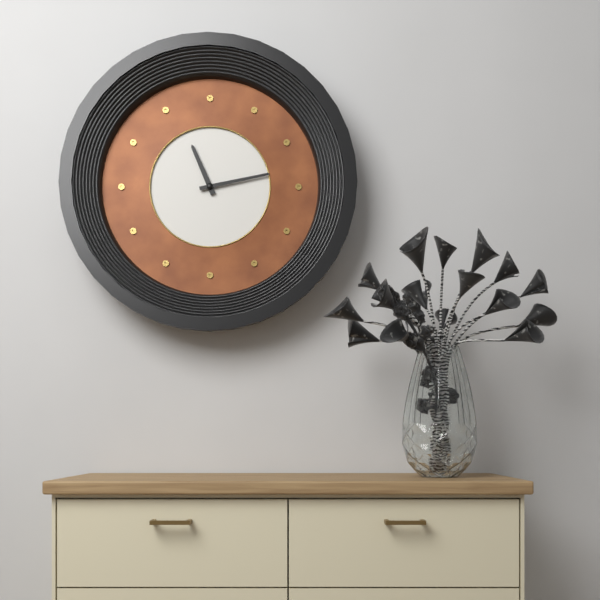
11:13
